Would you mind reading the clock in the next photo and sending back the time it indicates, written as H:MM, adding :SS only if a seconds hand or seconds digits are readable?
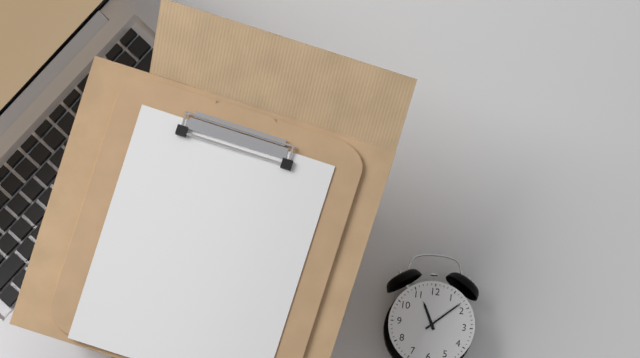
11:08
